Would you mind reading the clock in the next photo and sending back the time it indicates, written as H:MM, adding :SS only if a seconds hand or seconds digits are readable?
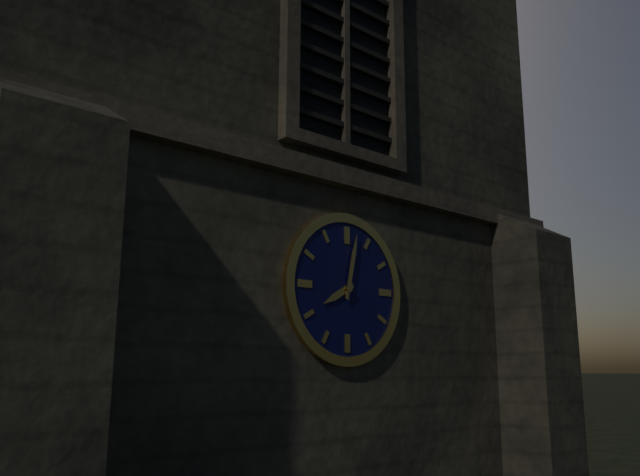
8:02
